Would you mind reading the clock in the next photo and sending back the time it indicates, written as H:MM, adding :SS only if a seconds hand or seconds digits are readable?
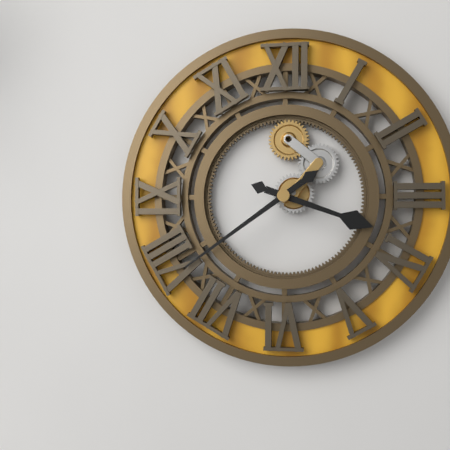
3:39
